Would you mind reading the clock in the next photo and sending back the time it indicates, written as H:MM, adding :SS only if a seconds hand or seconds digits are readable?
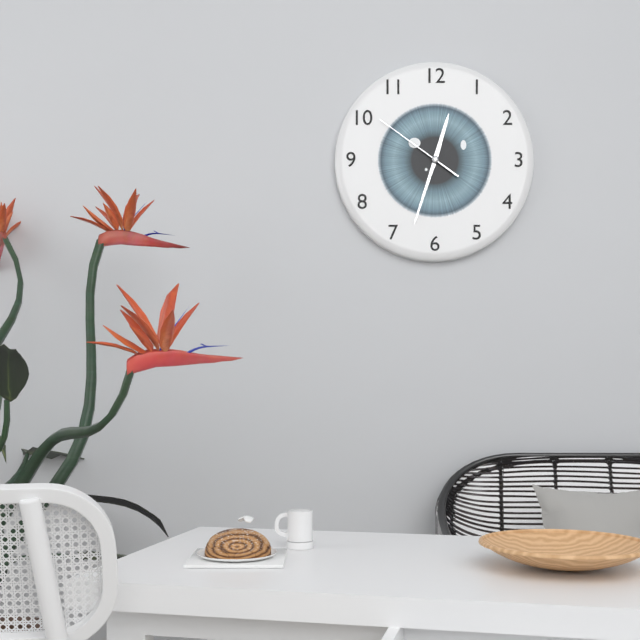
12:33:51
